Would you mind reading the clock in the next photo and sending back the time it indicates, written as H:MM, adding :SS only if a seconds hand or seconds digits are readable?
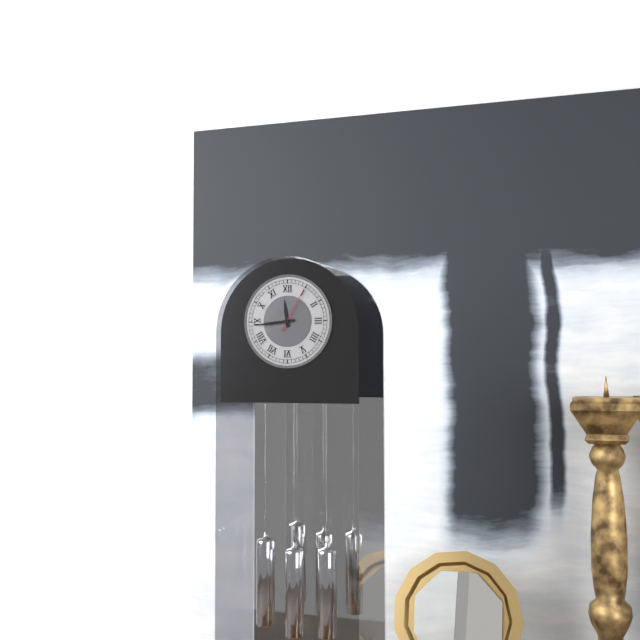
11:44
